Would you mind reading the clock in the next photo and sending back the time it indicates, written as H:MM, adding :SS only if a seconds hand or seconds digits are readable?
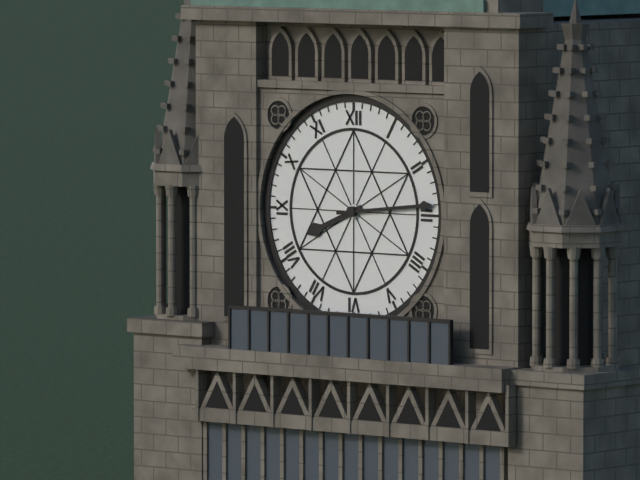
8:14
